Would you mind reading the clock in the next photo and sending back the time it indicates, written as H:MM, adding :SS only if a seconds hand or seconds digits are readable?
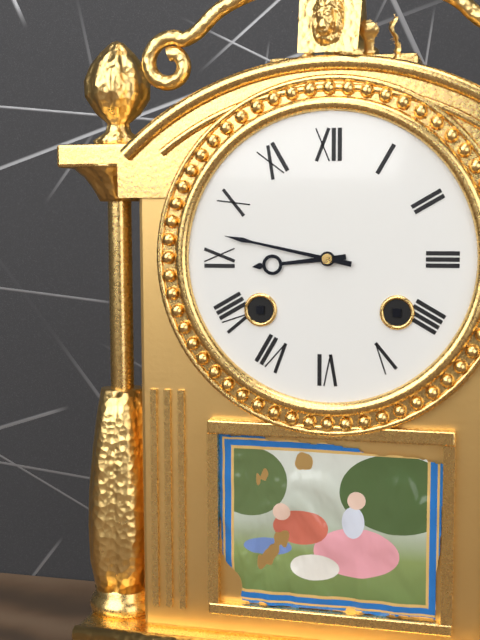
8:47
